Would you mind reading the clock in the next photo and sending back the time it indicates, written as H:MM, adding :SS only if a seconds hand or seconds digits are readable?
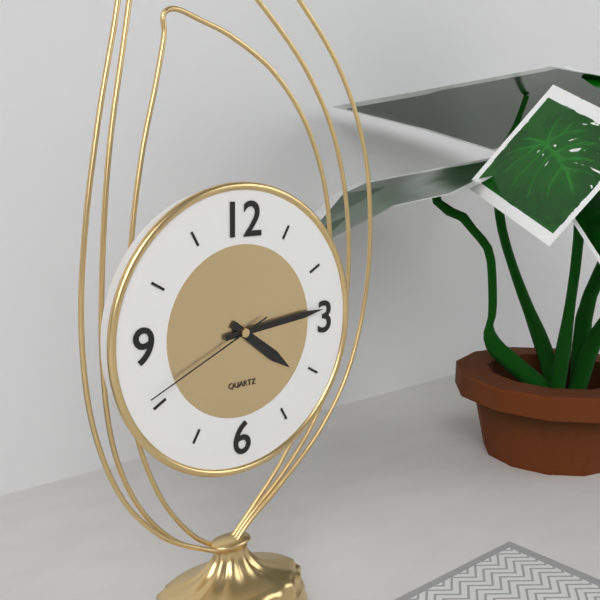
4:14:41
